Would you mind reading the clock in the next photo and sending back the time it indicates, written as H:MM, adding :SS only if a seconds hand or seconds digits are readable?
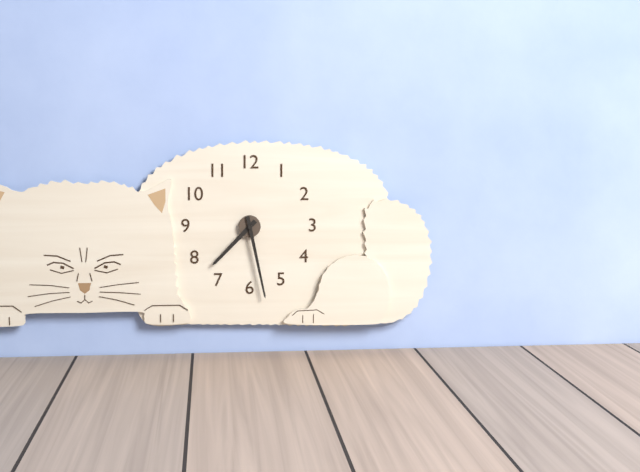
7:28
